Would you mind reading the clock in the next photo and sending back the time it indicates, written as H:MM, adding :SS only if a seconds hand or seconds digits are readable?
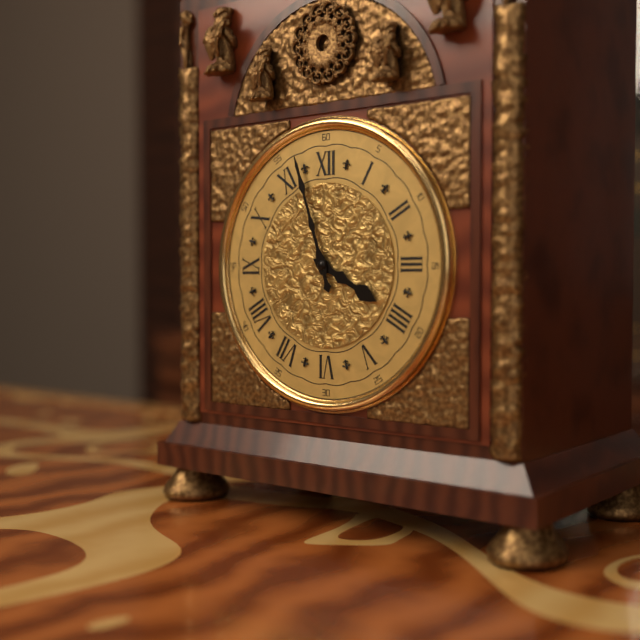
3:57
